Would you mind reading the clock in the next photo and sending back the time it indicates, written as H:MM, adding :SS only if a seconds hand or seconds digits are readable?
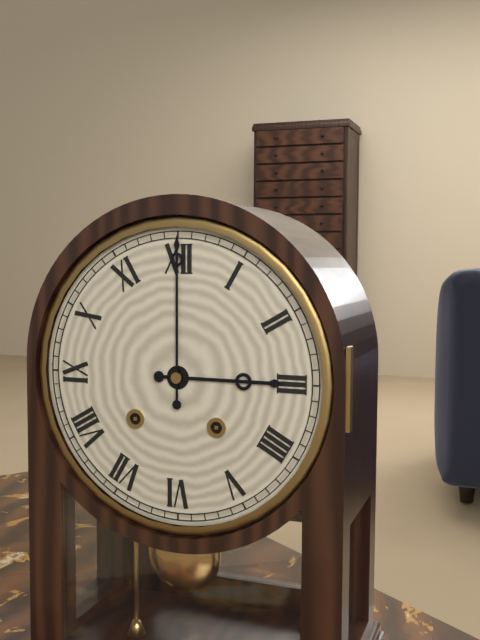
3:00
